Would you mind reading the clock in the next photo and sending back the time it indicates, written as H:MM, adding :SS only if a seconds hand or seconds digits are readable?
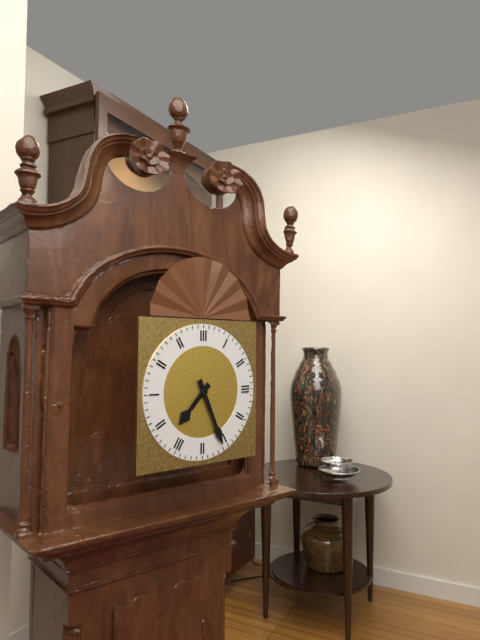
7:26
